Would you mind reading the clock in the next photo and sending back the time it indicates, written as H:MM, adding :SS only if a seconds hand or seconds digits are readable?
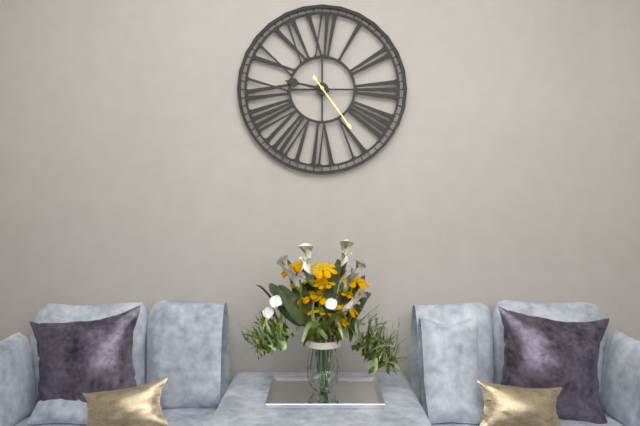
9:24
